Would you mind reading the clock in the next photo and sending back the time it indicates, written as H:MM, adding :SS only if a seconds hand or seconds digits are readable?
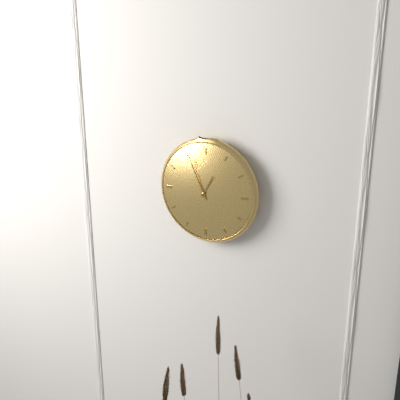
12:56
